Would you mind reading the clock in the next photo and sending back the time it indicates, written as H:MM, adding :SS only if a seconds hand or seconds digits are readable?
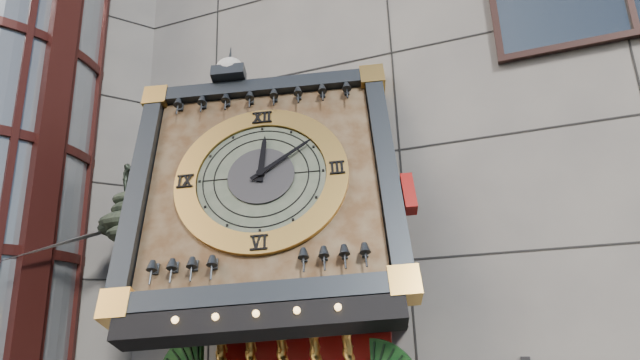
12:09
